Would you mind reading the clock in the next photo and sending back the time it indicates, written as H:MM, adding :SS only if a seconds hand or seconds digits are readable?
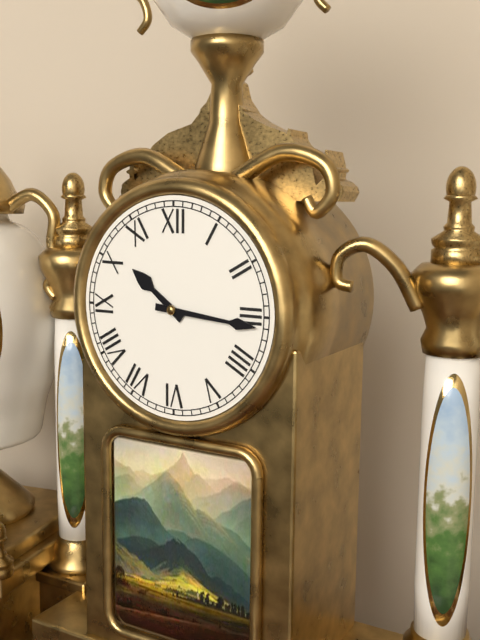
10:16
